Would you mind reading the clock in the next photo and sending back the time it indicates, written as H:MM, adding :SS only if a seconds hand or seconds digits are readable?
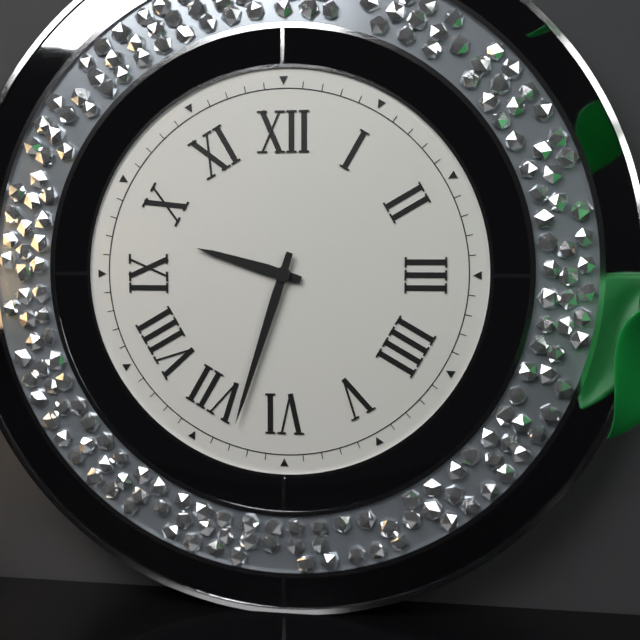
9:33
